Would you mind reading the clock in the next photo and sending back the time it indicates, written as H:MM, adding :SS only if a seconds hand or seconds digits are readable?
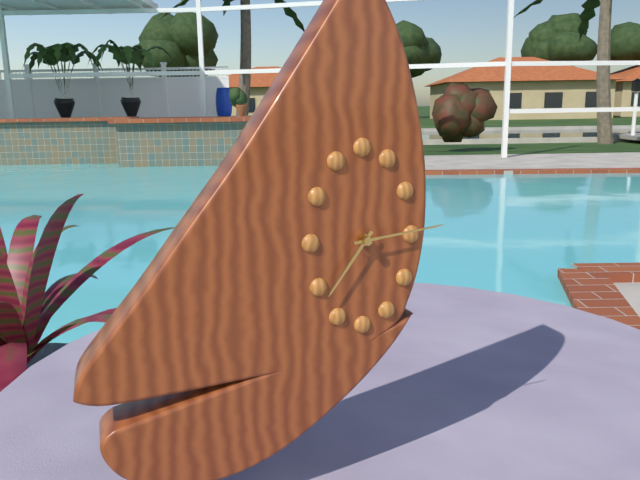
7:14
